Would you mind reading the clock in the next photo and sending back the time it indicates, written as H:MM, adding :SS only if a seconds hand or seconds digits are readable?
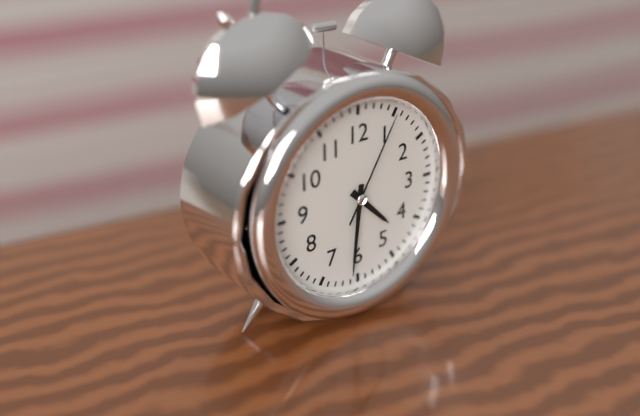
4:31:05
